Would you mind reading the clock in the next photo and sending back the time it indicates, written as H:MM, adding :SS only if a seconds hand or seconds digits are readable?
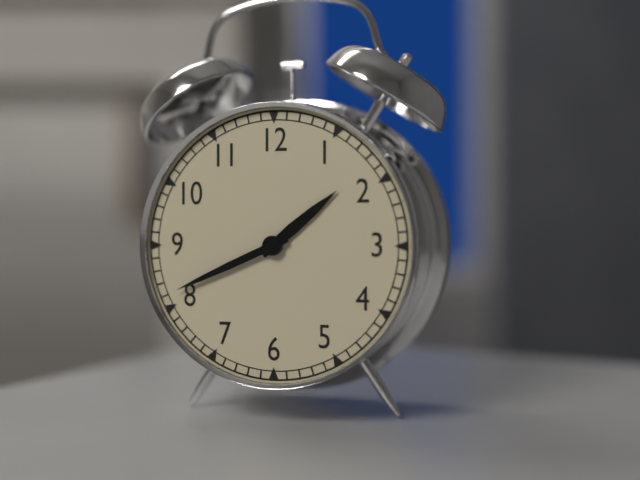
1:41
